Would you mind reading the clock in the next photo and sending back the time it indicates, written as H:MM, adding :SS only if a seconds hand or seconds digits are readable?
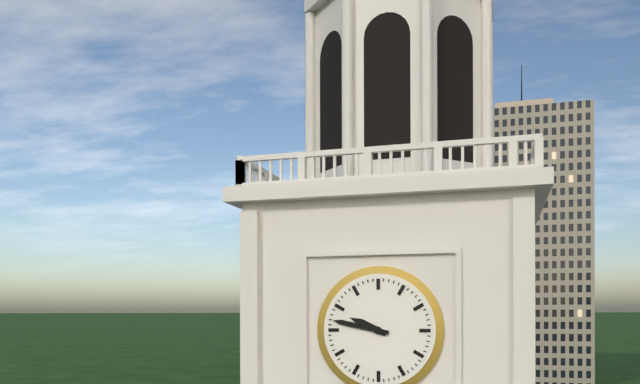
9:47
